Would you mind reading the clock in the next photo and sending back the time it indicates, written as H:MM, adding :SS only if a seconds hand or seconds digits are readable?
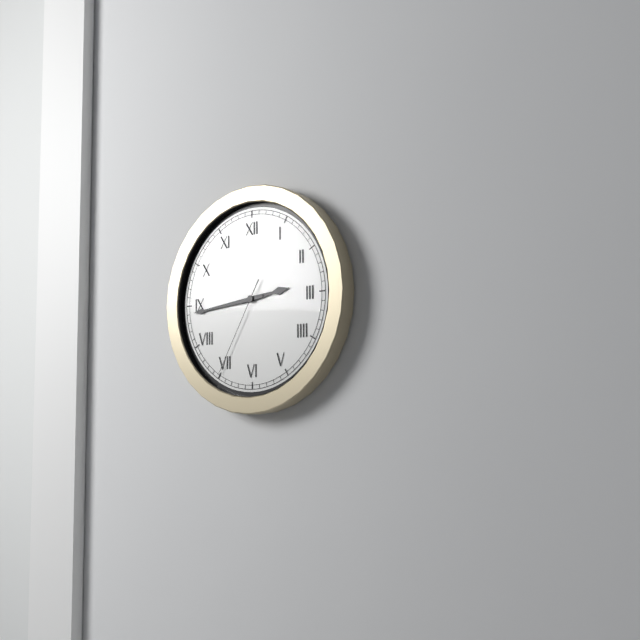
2:44:35
